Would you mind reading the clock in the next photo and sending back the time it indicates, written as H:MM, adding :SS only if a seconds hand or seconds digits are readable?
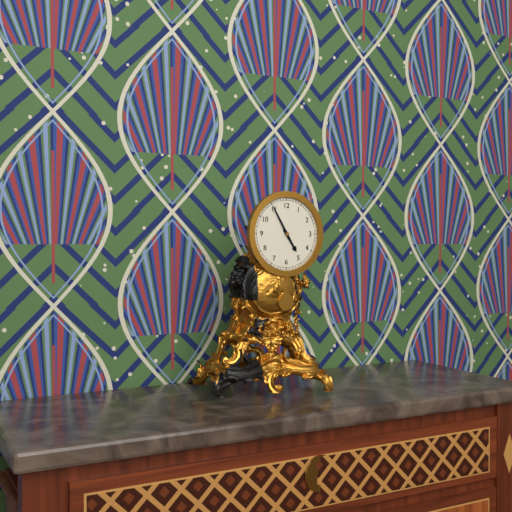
4:55
